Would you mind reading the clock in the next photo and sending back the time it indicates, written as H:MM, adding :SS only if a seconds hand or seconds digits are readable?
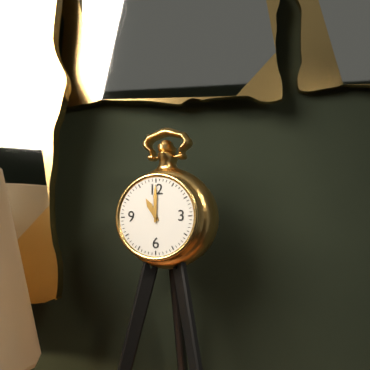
11:00
